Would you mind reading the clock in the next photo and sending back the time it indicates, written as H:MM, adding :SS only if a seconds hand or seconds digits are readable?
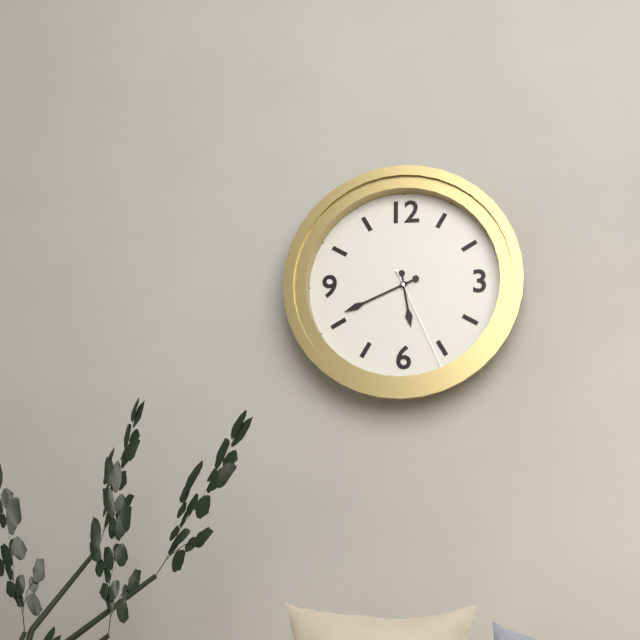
5:41:26
